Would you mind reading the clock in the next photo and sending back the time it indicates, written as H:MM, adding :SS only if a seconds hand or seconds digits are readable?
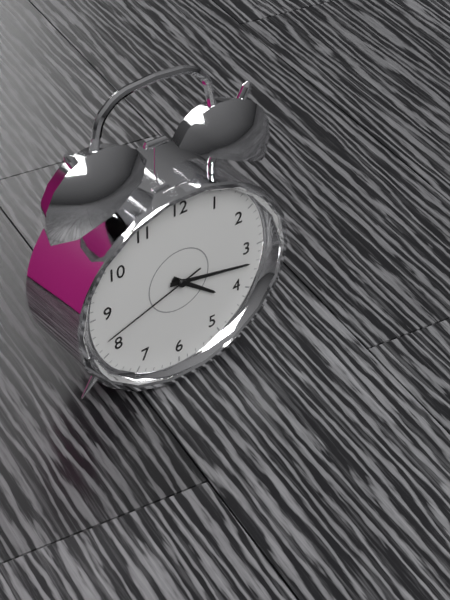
4:17:42
